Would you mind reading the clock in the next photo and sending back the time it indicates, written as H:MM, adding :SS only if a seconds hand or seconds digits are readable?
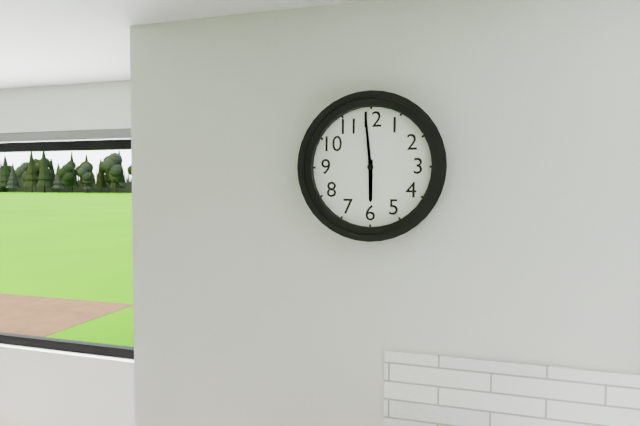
5:59
